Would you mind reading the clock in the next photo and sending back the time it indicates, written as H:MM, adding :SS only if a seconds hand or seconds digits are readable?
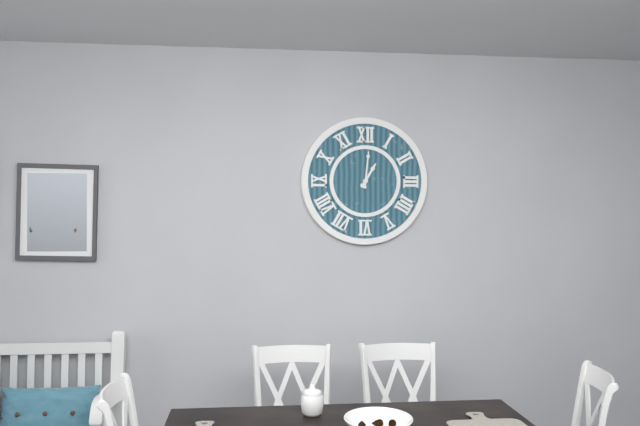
1:01
